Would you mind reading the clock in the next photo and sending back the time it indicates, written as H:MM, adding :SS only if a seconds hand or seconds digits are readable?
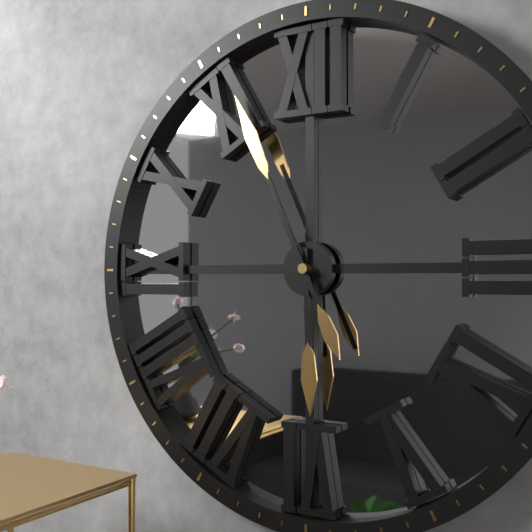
5:56
